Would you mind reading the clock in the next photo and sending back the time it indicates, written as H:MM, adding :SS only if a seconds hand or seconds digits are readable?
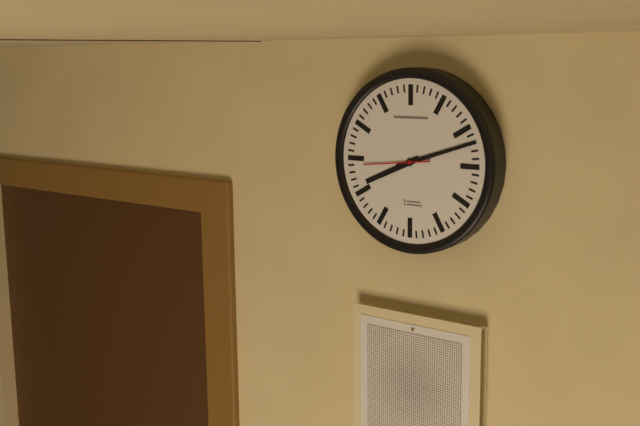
8:12:44
